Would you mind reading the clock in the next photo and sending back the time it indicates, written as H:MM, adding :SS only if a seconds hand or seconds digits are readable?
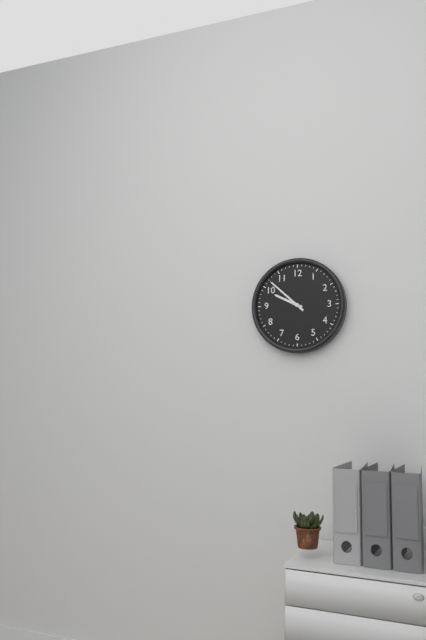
9:52
